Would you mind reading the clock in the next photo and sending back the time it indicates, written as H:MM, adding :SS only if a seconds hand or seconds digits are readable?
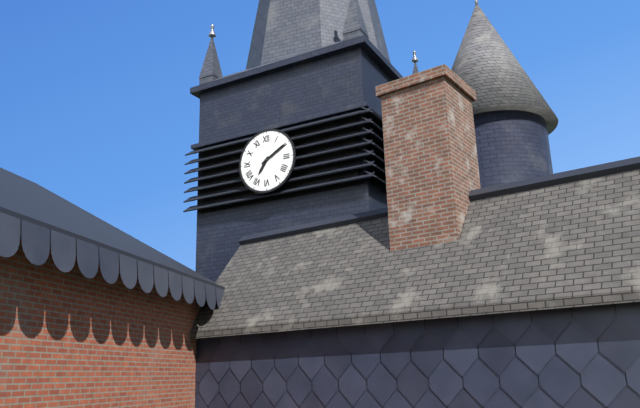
7:10
